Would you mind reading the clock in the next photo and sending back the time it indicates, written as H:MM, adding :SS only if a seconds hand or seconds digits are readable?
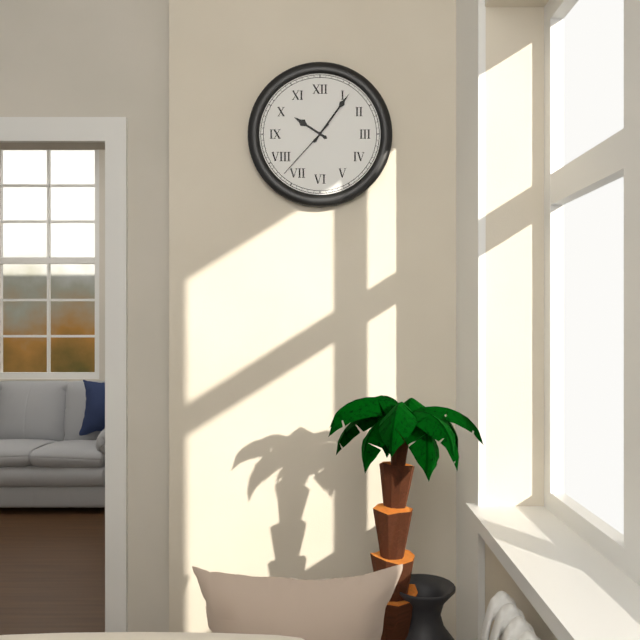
10:06:37
